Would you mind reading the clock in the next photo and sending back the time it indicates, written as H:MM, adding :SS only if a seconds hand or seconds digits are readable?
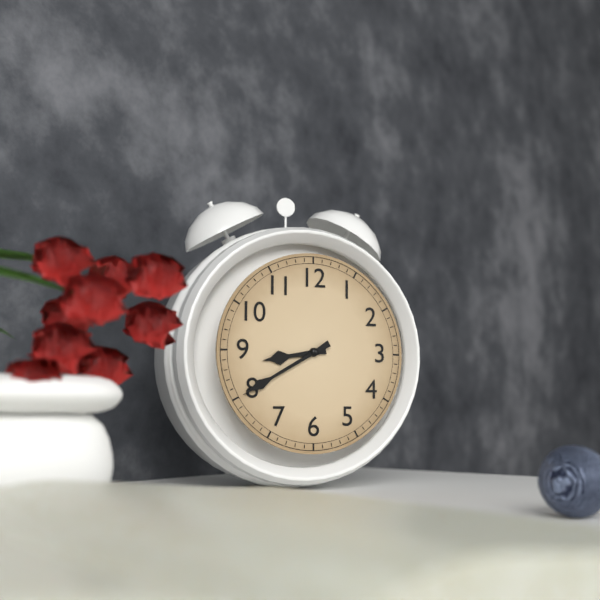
8:40
